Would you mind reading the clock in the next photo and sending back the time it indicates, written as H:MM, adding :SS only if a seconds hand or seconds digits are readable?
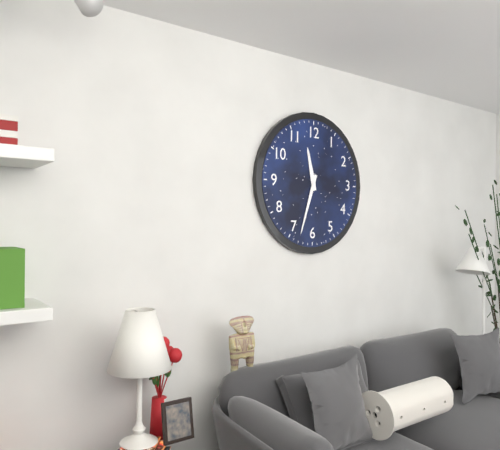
11:33
